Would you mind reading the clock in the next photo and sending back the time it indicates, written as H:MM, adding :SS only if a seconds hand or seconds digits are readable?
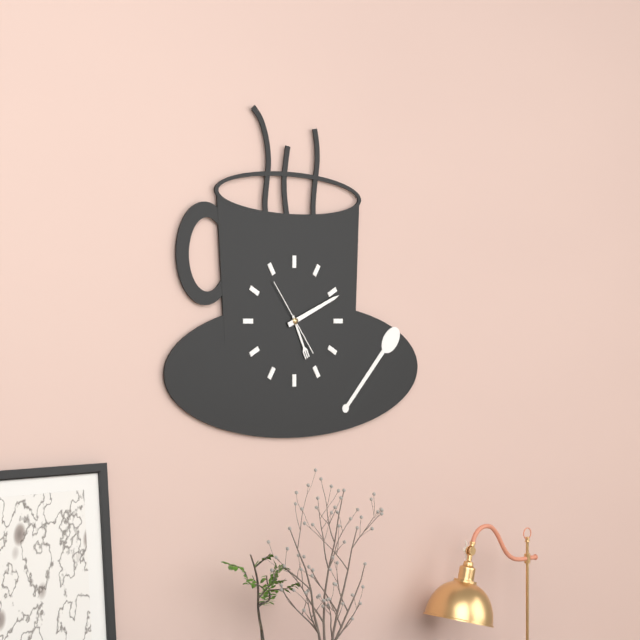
5:11:54
